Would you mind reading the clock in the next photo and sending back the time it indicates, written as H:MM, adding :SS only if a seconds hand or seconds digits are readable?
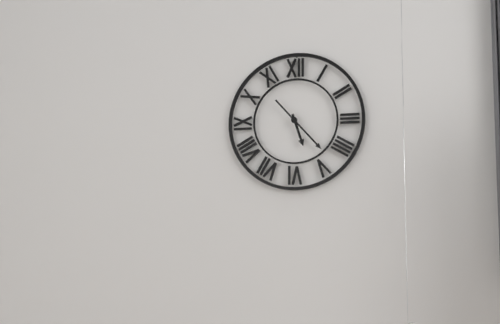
5:23
